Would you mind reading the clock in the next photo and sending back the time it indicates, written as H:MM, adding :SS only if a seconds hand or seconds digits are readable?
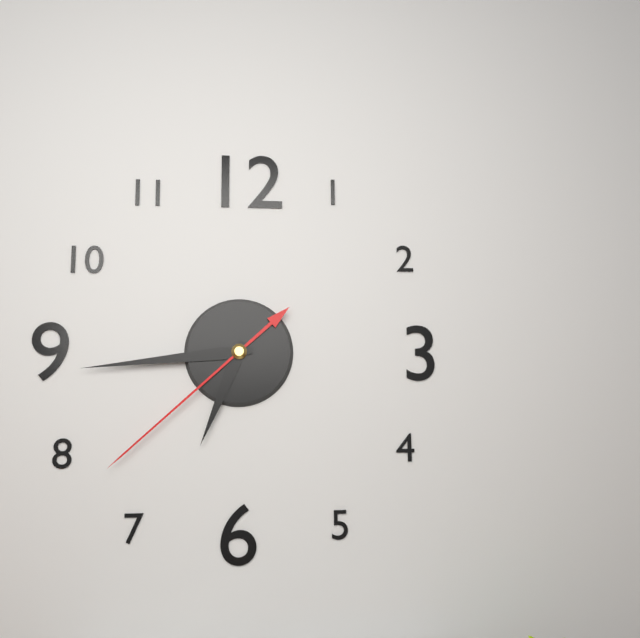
6:44:38
